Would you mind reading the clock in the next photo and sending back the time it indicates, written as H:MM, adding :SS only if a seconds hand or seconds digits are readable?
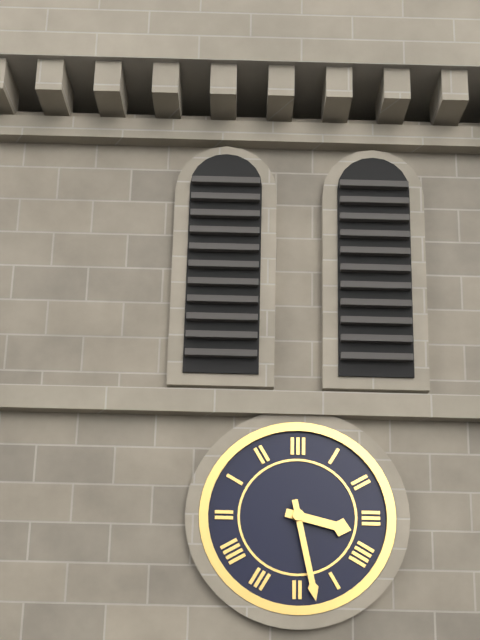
3:28
